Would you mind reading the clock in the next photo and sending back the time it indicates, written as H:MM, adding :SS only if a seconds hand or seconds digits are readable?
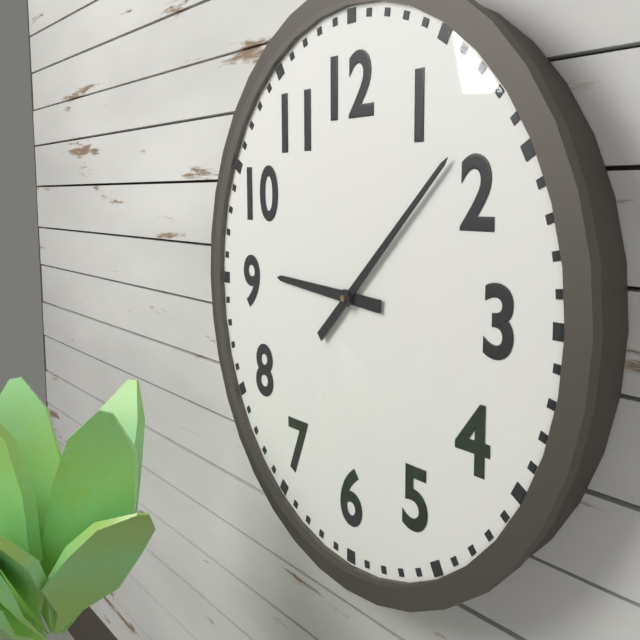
9:08
